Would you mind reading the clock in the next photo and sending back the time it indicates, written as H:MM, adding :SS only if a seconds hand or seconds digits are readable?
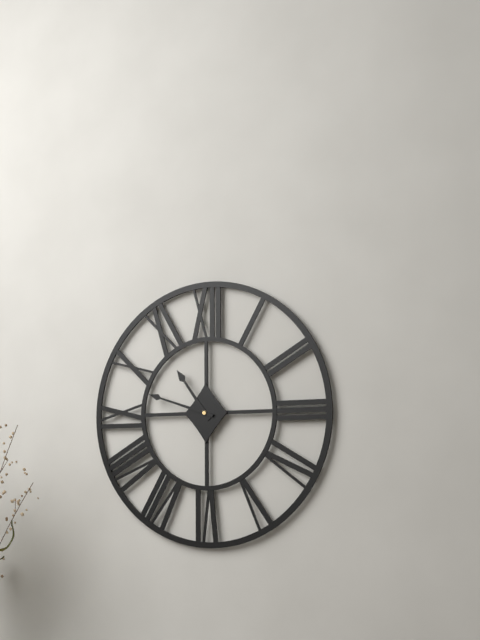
10:48
